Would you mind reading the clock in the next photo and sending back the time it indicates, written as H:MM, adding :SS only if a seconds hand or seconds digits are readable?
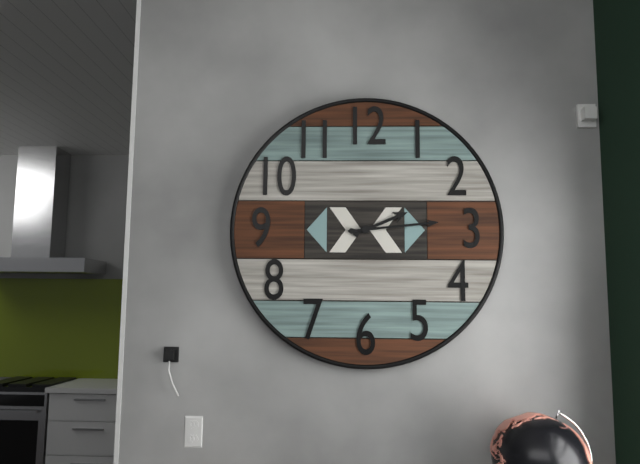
2:14
